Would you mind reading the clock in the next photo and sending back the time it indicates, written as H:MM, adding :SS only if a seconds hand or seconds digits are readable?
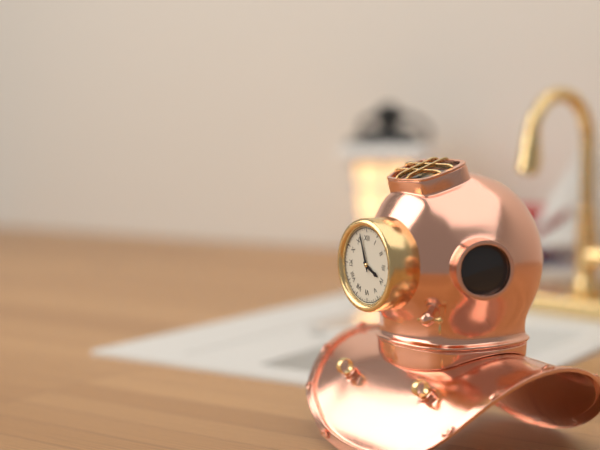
3:57
